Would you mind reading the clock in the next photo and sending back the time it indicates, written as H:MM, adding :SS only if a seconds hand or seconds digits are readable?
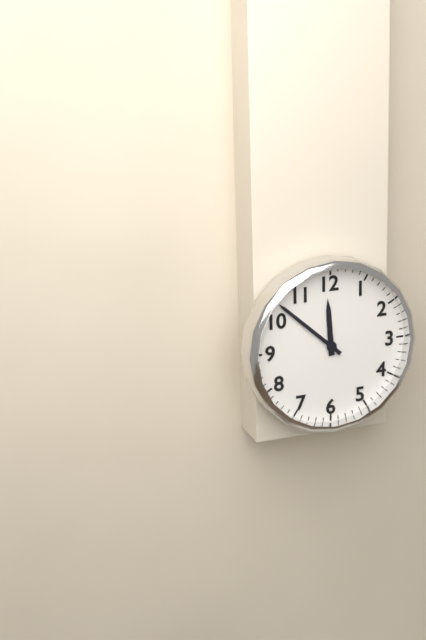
11:52
